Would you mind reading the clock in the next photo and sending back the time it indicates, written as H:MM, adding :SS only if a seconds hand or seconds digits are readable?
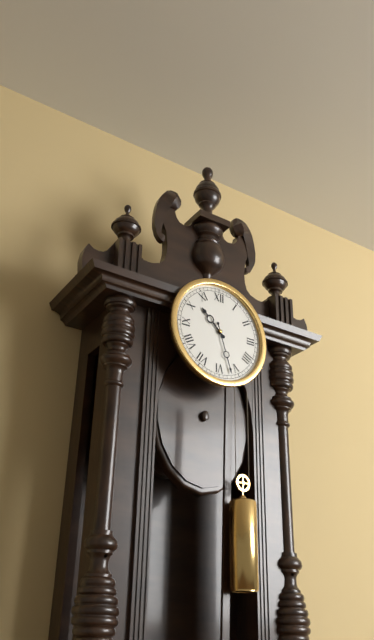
10:27
